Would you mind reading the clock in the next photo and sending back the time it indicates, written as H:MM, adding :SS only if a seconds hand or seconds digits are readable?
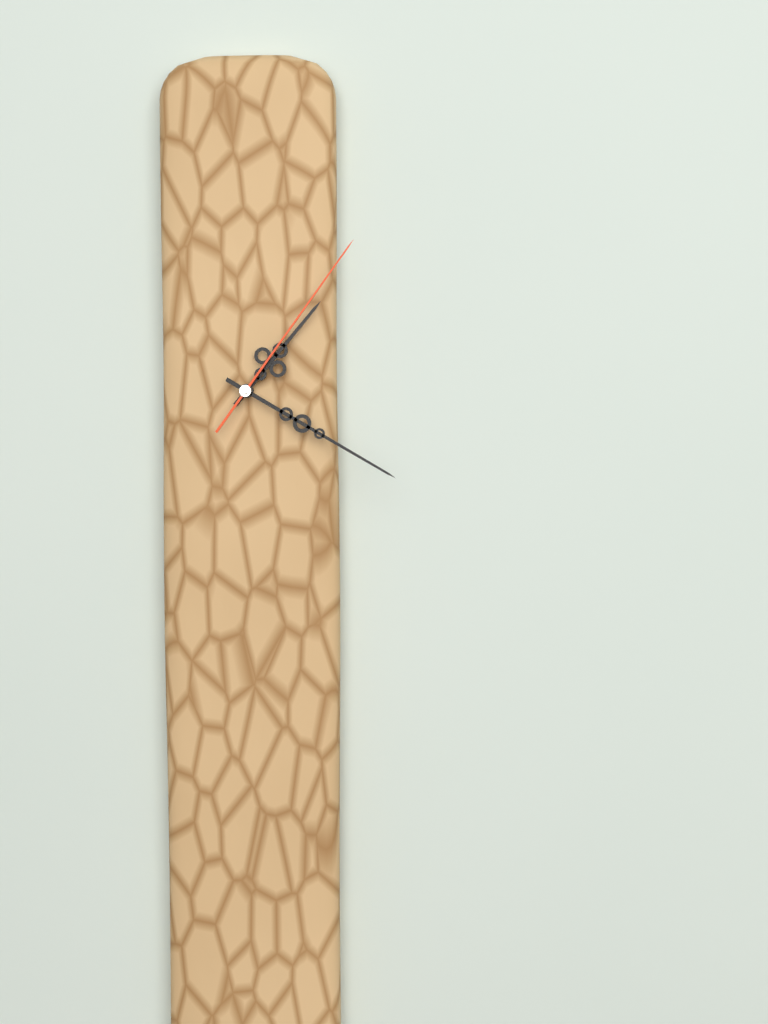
1:20:06
